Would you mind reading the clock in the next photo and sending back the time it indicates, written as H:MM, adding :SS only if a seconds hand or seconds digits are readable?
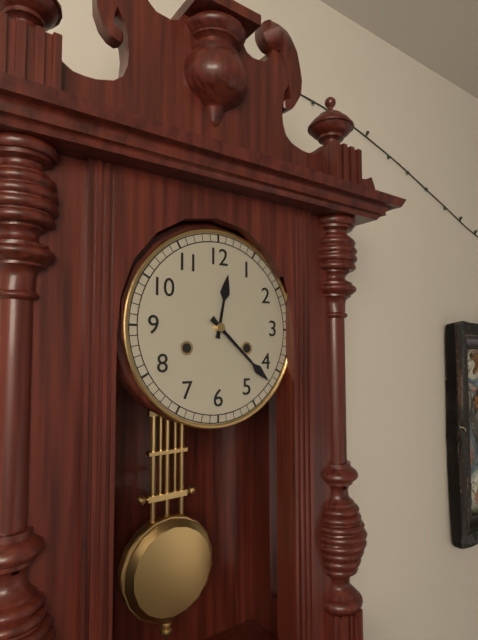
12:22
